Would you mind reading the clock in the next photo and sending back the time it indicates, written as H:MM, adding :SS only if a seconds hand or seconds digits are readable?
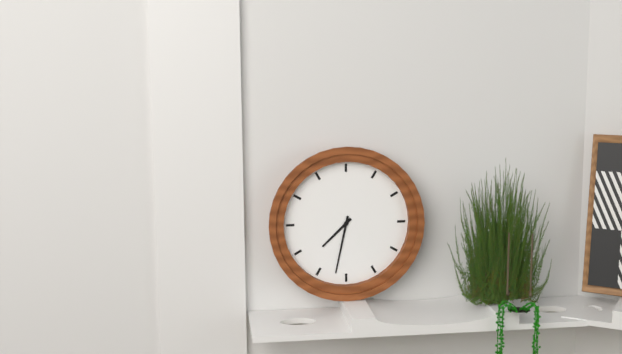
7:32
